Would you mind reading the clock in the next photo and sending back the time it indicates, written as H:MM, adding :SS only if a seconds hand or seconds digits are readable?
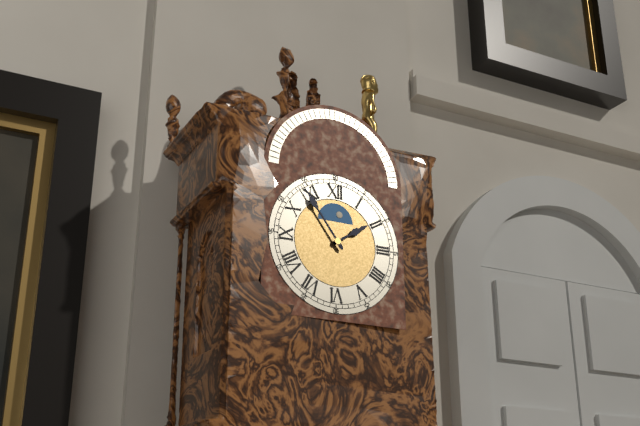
1:54
